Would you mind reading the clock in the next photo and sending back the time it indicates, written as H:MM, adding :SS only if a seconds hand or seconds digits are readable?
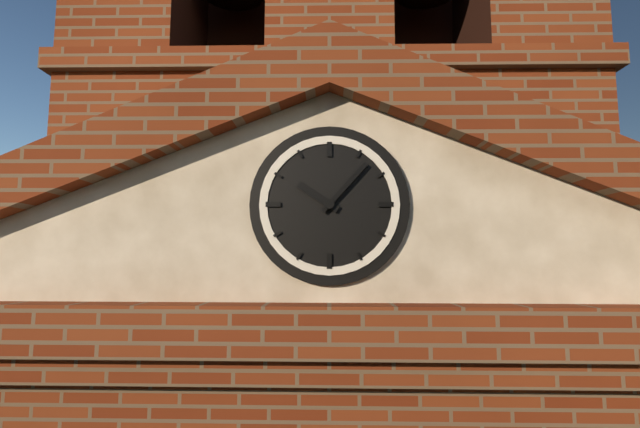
10:07
